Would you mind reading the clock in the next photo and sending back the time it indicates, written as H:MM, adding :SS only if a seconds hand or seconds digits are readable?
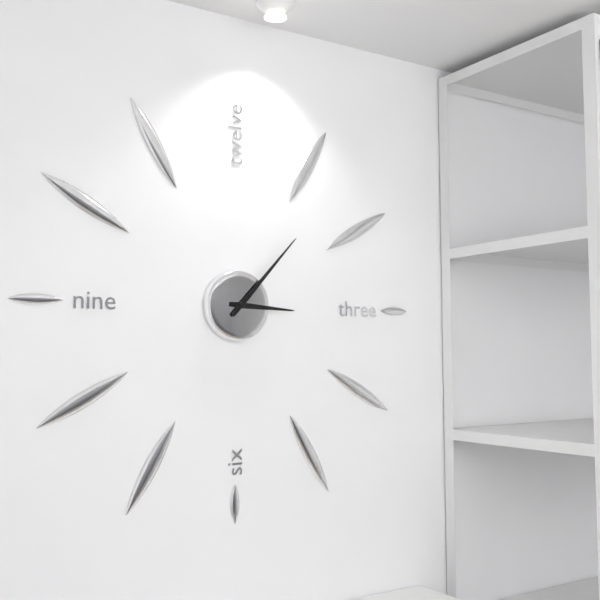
3:07
